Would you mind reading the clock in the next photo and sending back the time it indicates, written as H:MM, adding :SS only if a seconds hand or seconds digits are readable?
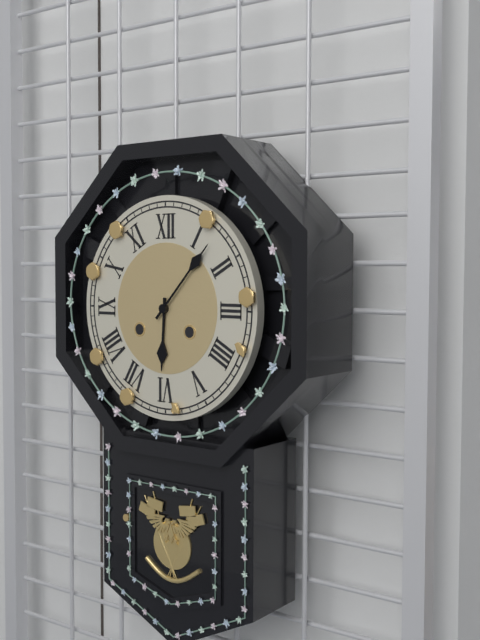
6:07
